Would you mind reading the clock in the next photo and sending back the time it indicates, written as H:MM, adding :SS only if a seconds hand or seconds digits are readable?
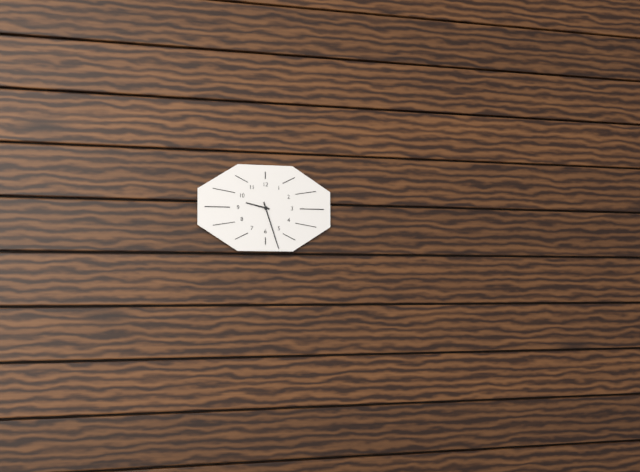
9:27
